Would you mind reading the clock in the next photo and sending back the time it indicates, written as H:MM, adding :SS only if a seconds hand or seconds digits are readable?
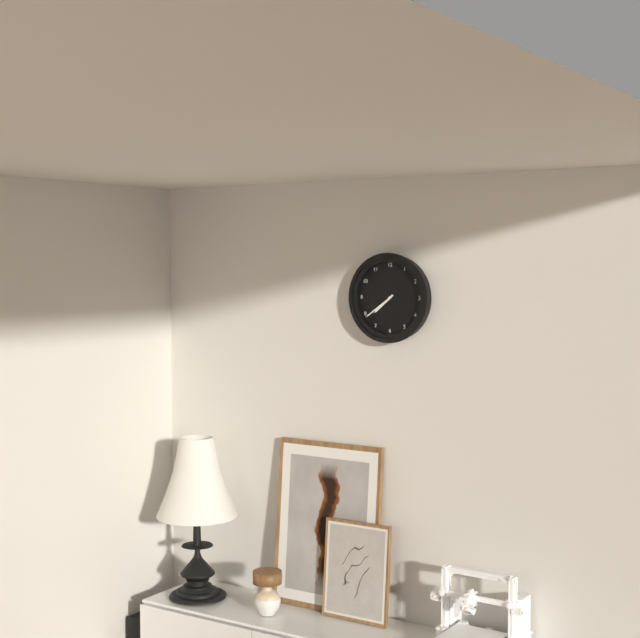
7:39
